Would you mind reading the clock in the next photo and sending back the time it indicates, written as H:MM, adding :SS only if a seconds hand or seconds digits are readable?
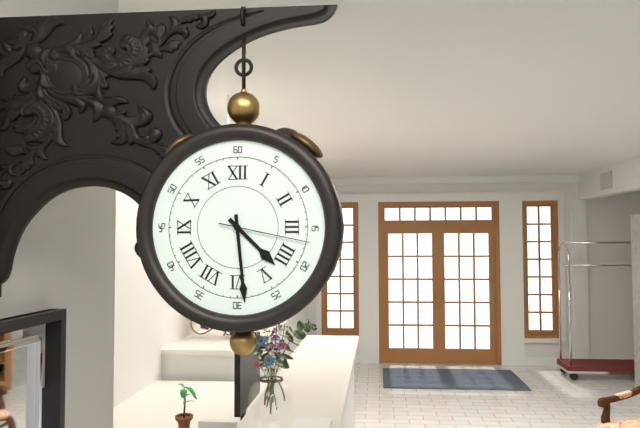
4:29:17
